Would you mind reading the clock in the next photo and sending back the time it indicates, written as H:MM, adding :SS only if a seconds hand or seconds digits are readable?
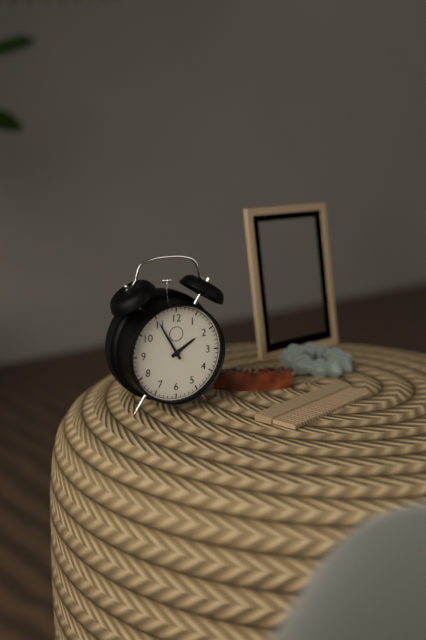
1:55
